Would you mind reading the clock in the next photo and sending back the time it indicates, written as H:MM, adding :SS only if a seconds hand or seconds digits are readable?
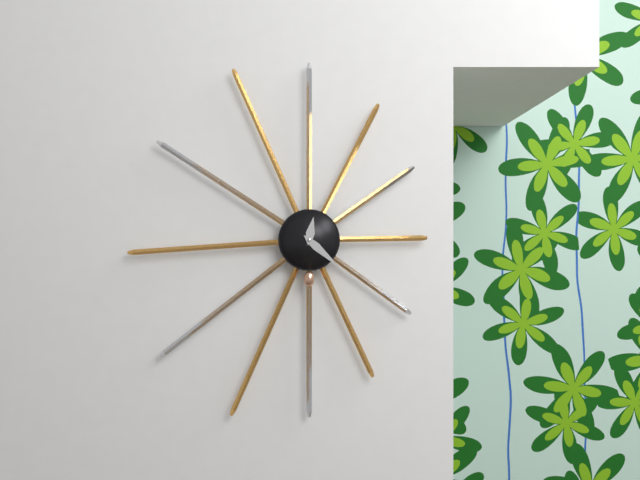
12:22
